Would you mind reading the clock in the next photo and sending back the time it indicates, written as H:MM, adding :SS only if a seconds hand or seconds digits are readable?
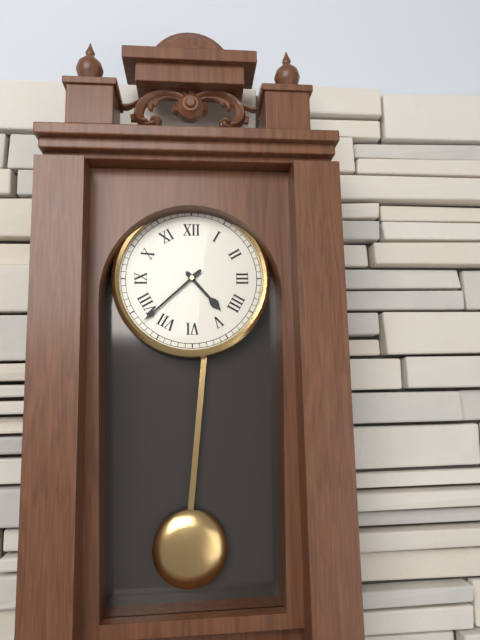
4:38
